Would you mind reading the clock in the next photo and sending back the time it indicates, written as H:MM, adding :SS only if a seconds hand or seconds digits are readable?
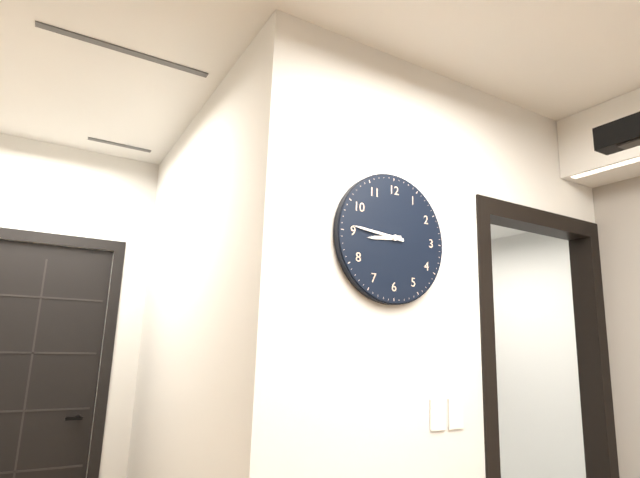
8:46
